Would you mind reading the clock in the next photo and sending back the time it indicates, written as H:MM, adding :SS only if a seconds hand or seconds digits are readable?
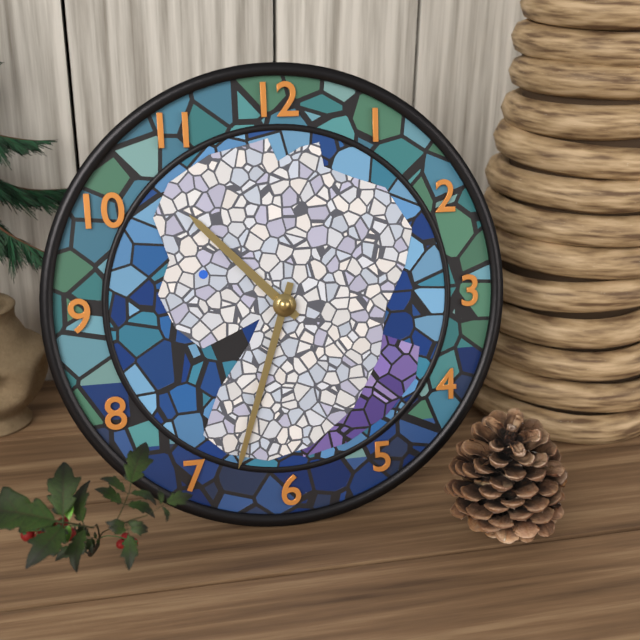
10:33
